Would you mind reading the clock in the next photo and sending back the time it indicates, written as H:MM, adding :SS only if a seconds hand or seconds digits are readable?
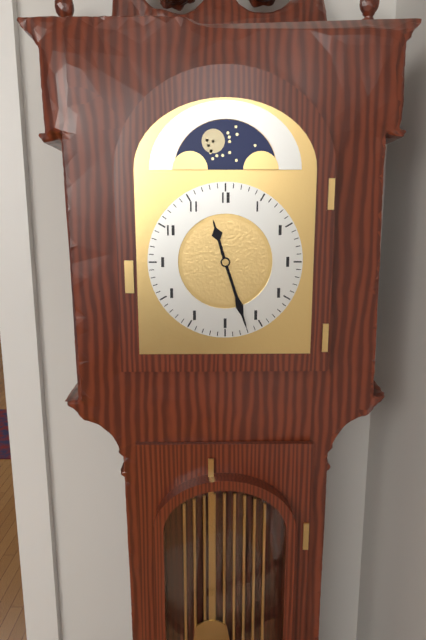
11:27
